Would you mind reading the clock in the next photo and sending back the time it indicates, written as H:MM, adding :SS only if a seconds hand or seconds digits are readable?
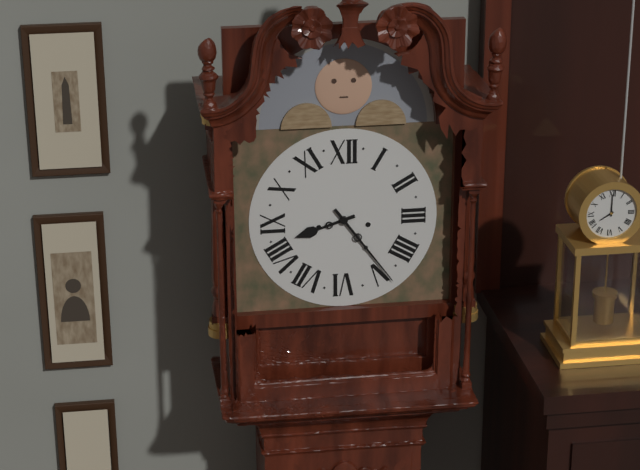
8:24
